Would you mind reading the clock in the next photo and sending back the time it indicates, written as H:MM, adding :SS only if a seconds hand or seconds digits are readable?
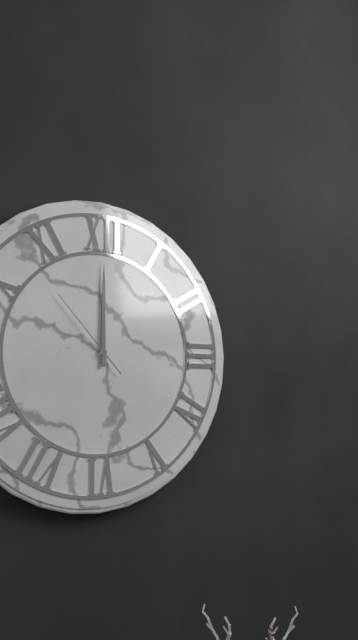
12:00:53
